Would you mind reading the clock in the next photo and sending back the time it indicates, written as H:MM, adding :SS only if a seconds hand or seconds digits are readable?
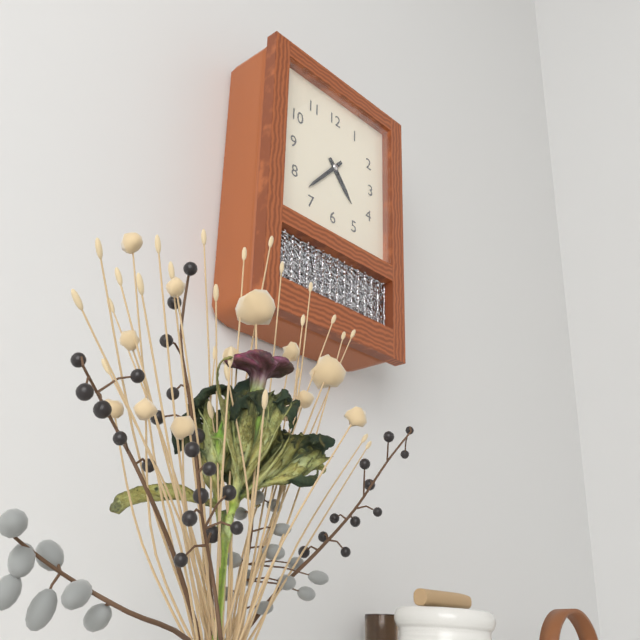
4:37
